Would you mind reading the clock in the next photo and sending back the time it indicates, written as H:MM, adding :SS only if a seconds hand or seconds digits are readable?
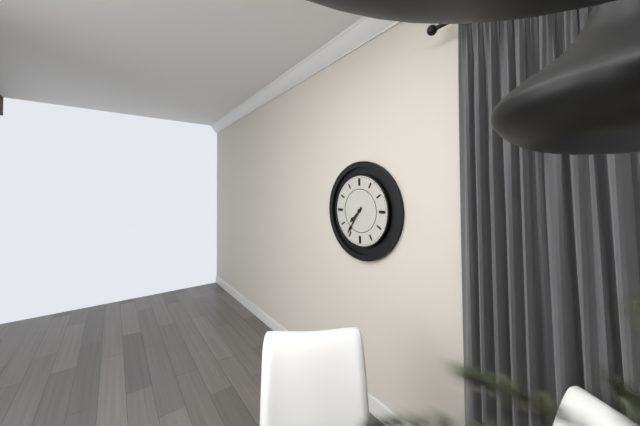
7:36
